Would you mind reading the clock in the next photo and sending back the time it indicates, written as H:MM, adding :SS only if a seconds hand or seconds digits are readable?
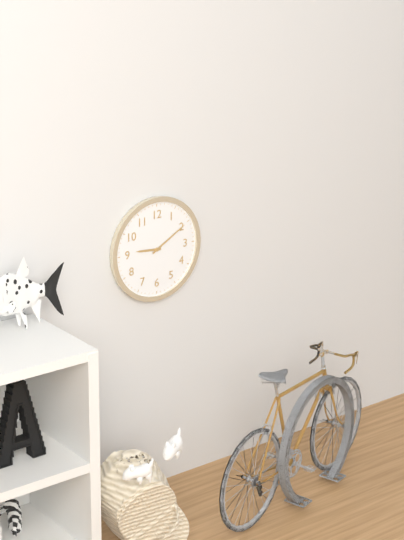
9:10
